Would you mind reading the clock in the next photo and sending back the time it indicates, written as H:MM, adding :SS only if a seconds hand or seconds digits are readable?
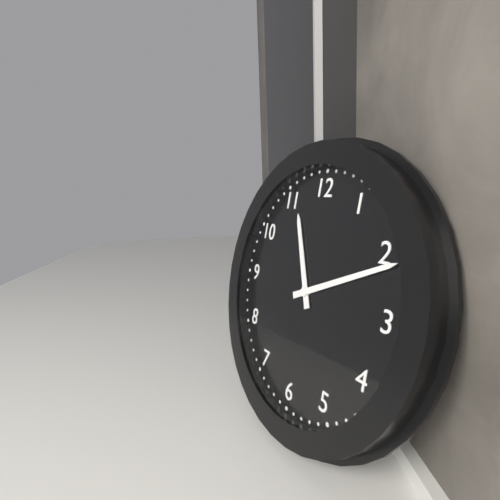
11:11
